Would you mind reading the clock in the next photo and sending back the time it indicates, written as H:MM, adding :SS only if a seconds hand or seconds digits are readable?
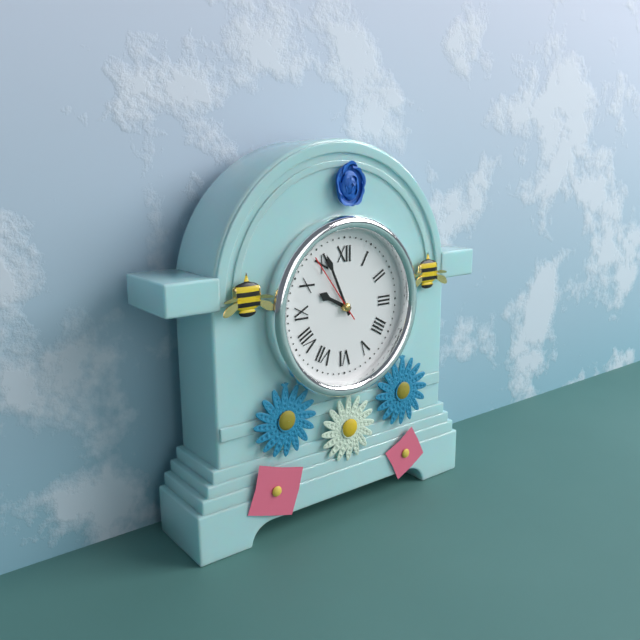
9:56:54
